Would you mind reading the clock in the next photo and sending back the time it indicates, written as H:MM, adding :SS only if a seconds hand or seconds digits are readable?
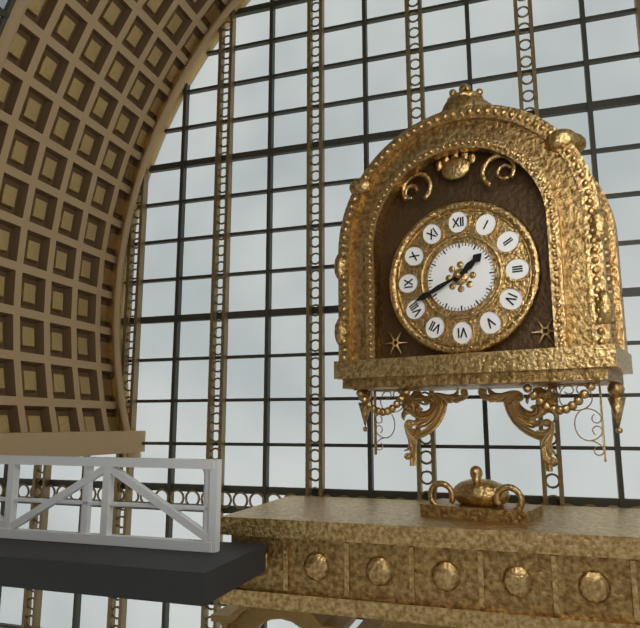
1:41
